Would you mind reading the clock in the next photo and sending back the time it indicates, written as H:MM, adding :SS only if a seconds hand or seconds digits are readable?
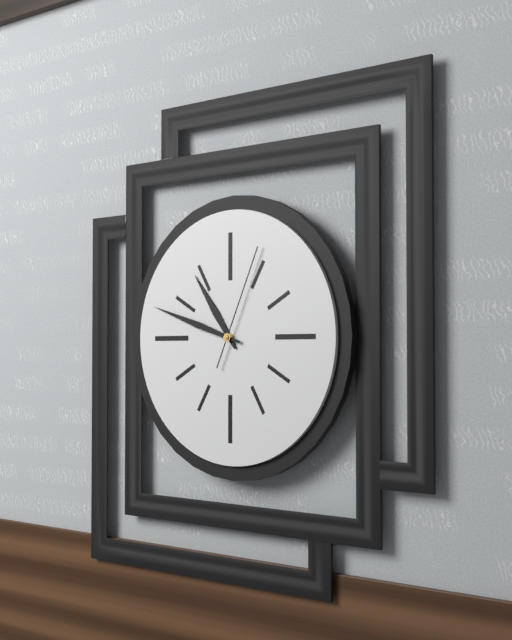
10:48:04
